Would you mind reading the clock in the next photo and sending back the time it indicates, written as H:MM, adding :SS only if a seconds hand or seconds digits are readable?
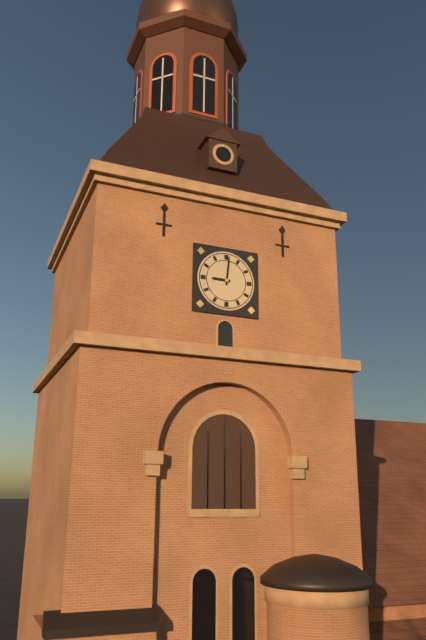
9:01
